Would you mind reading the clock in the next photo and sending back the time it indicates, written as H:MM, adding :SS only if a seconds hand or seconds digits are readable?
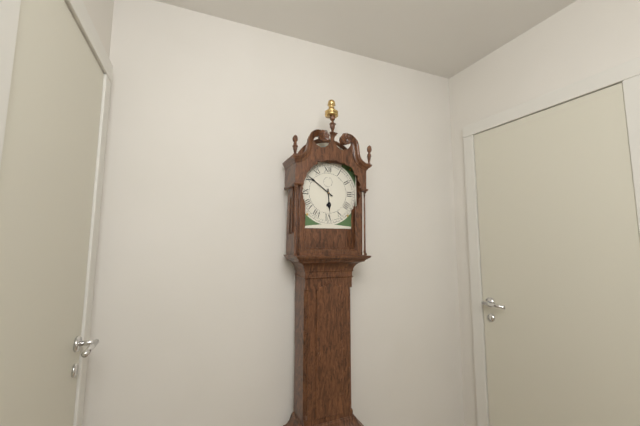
5:51
